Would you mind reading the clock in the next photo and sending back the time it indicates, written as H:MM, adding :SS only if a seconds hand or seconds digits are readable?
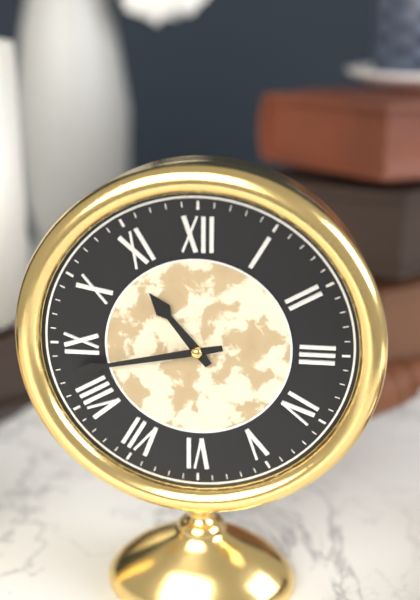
10:43
